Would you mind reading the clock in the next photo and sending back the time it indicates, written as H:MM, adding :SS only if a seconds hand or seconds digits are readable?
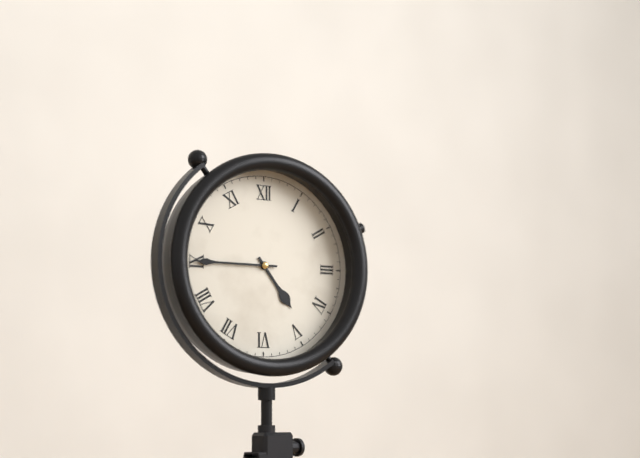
4:45
